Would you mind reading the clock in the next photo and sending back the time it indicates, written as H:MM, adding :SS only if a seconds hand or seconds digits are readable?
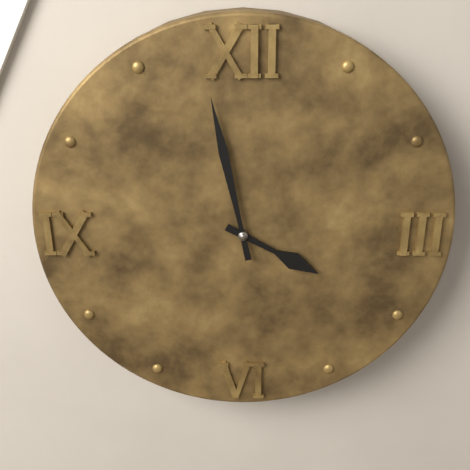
3:58
